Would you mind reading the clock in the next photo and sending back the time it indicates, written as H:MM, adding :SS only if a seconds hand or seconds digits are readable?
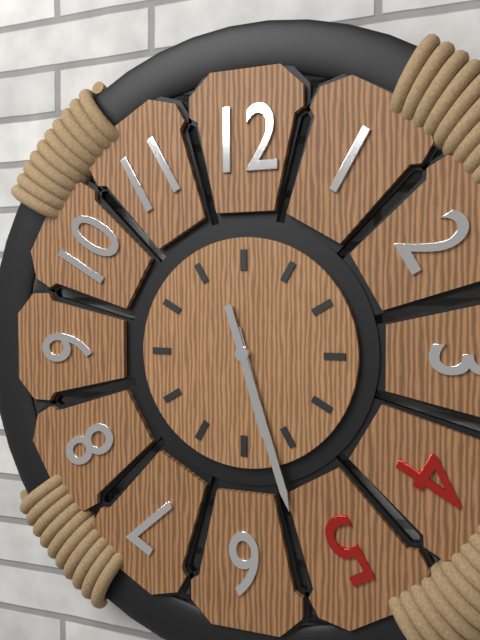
5:27
